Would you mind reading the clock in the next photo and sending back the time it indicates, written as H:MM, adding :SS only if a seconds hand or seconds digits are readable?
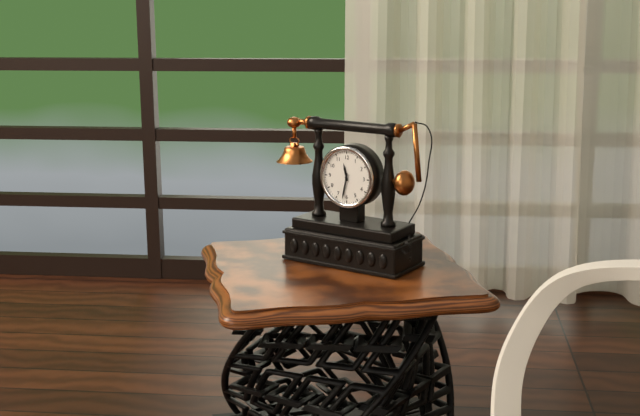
11:32
